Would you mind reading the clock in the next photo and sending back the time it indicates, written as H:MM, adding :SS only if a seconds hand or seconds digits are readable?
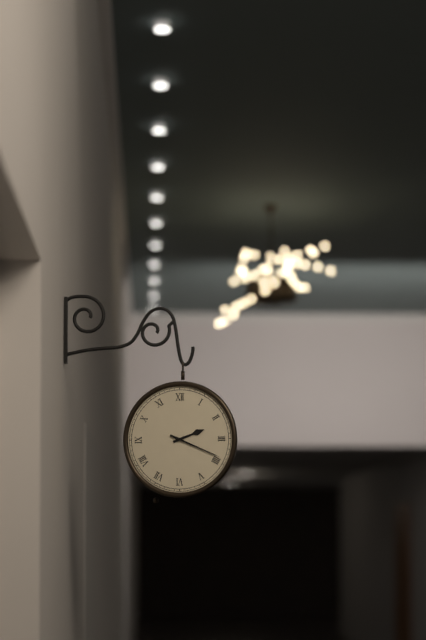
2:19
